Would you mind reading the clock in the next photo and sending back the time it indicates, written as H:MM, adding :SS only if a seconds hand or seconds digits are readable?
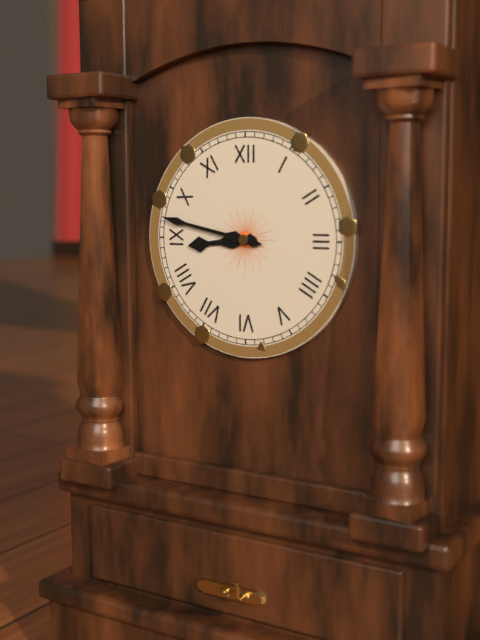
8:47
